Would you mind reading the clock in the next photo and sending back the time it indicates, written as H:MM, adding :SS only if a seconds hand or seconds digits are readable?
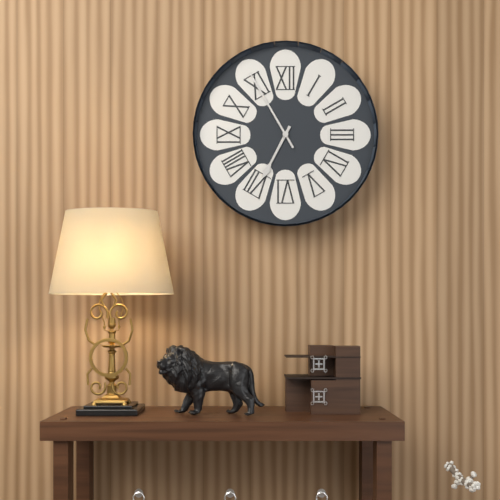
6:55
